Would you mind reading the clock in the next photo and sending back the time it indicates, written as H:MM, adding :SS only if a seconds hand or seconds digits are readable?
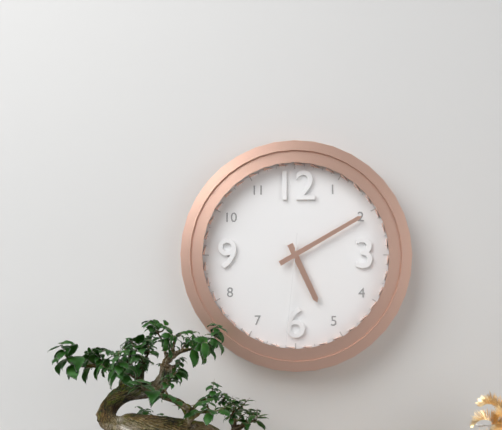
5:10:31
